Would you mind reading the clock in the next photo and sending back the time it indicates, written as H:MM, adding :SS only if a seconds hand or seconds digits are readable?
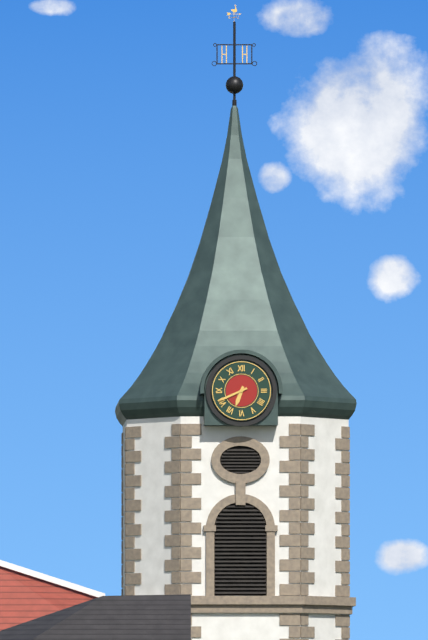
6:41
